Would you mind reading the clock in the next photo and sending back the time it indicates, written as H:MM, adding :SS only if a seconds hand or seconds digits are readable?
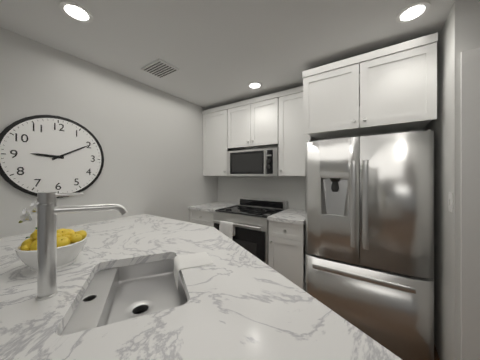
9:10
